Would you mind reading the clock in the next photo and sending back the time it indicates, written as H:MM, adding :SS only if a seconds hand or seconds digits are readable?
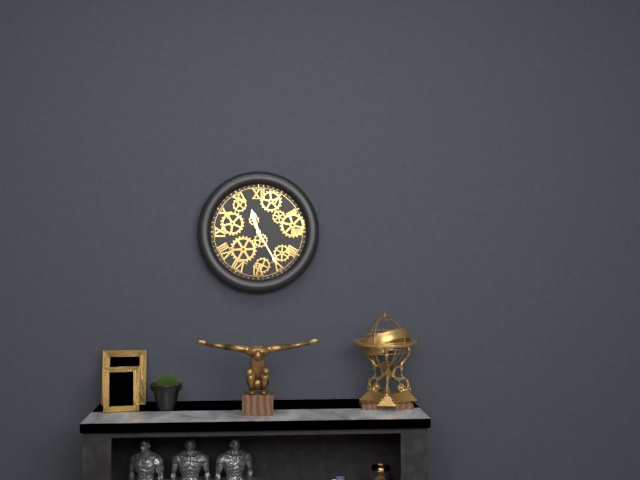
11:25
